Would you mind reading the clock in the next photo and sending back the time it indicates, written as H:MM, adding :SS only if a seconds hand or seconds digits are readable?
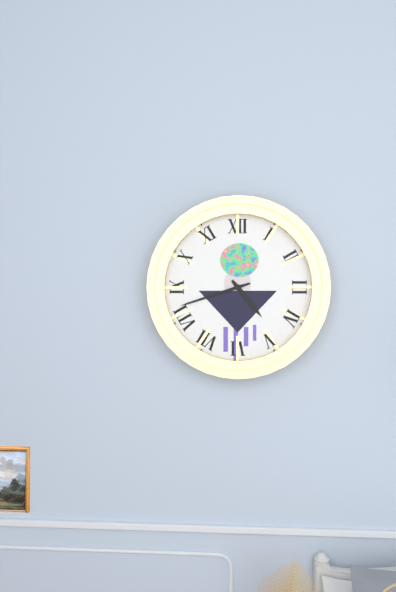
4:42
